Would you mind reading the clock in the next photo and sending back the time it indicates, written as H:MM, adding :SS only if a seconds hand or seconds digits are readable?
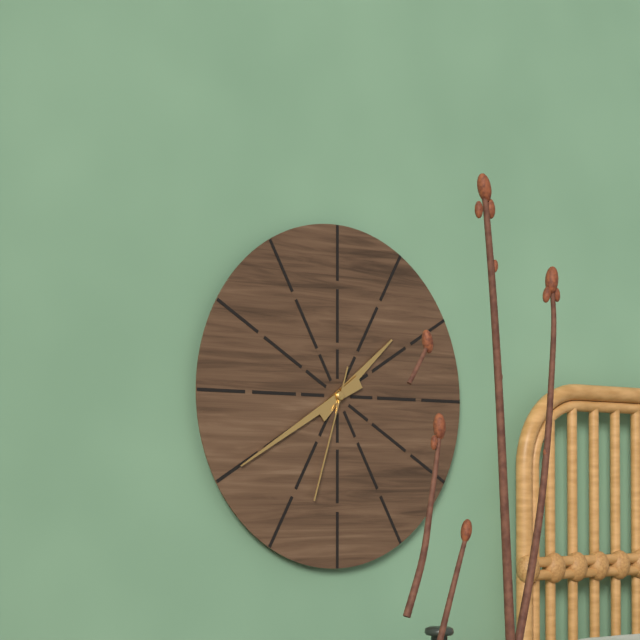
1:40:33
